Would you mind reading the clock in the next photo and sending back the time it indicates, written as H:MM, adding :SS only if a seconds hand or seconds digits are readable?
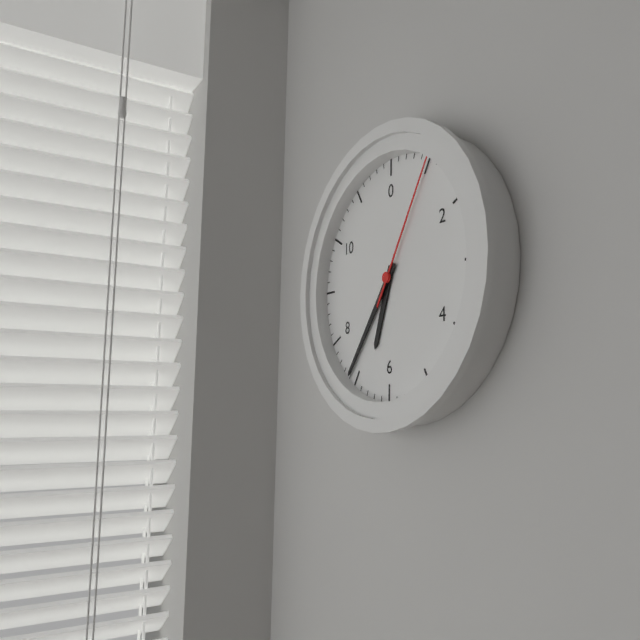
6:36:05
